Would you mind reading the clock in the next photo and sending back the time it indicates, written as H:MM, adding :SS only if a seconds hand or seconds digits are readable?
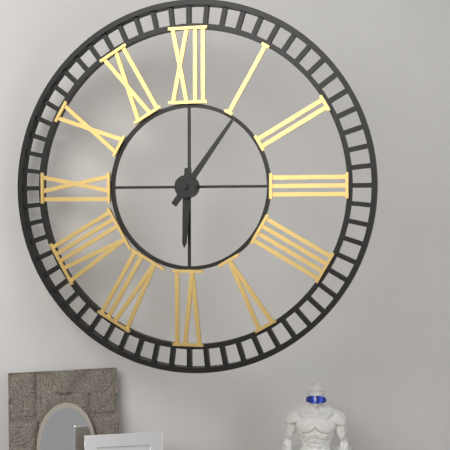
6:06
